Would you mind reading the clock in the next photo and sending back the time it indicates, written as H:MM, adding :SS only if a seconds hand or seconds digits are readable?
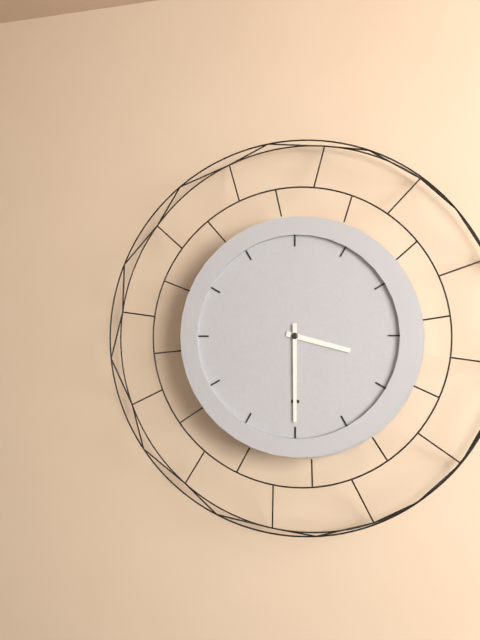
3:30
